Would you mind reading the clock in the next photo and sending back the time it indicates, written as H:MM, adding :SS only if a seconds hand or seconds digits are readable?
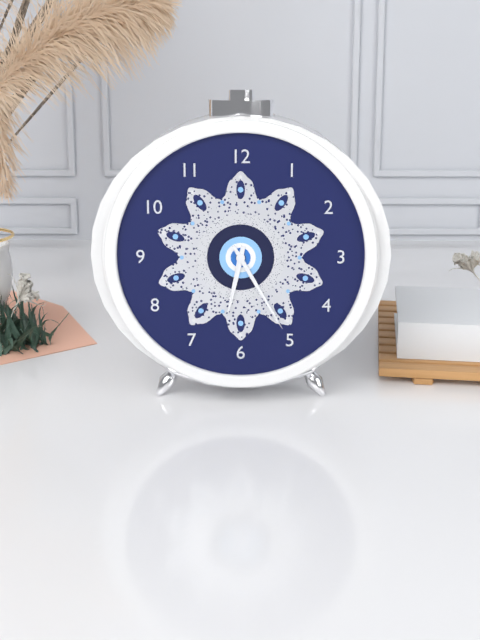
6:25
